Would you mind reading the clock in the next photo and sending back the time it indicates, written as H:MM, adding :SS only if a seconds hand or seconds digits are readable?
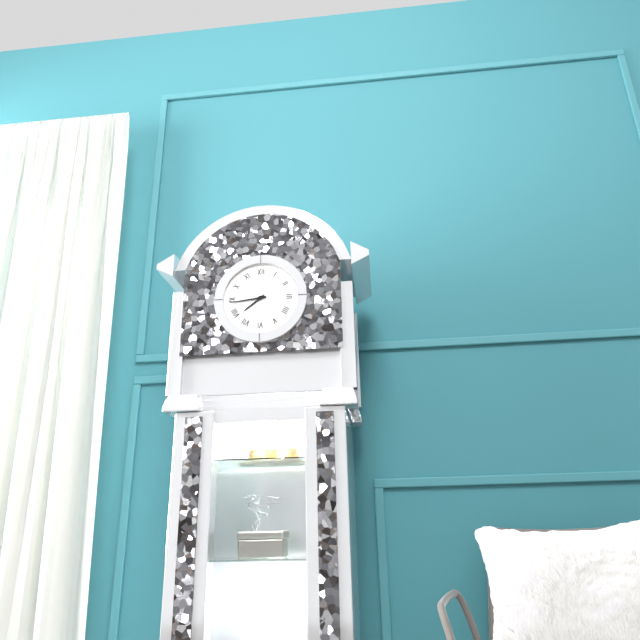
7:44
